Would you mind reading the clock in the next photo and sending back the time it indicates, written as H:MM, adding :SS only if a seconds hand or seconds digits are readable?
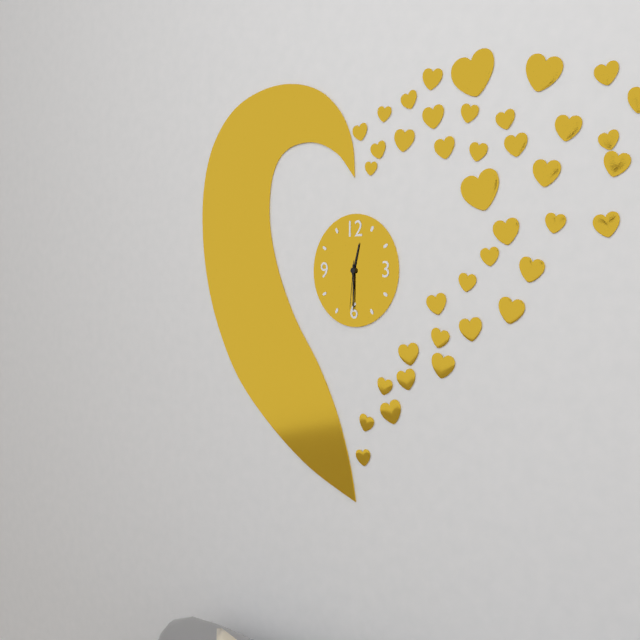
12:30
